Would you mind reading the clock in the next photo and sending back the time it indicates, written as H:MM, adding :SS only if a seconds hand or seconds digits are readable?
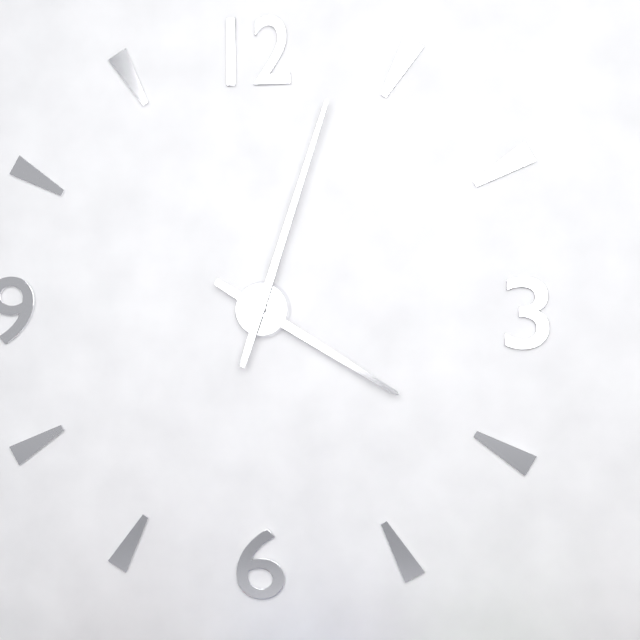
4:03
